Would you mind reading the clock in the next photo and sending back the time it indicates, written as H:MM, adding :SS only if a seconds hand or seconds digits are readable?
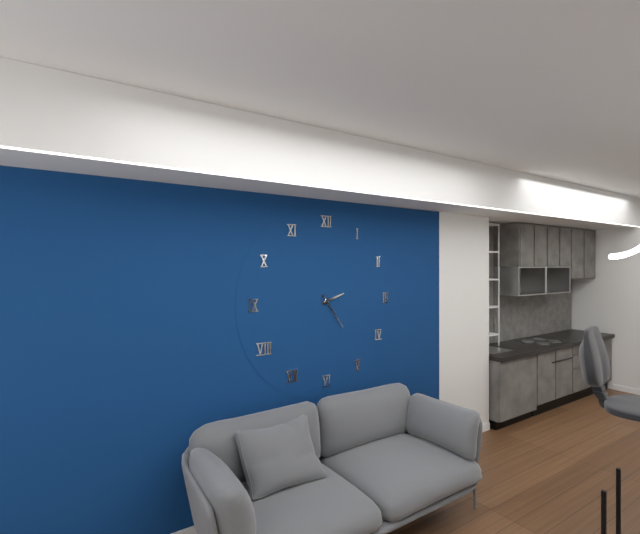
2:24
